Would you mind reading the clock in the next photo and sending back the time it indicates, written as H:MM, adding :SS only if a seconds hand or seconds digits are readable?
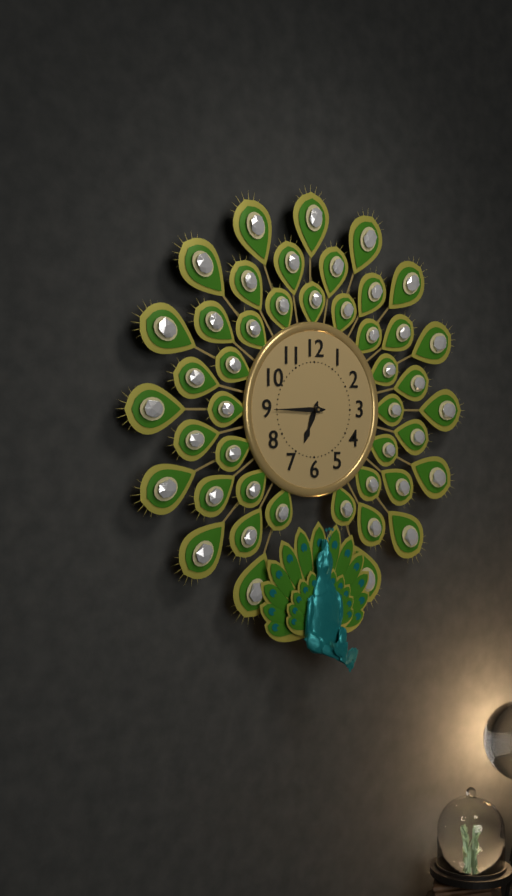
6:45
